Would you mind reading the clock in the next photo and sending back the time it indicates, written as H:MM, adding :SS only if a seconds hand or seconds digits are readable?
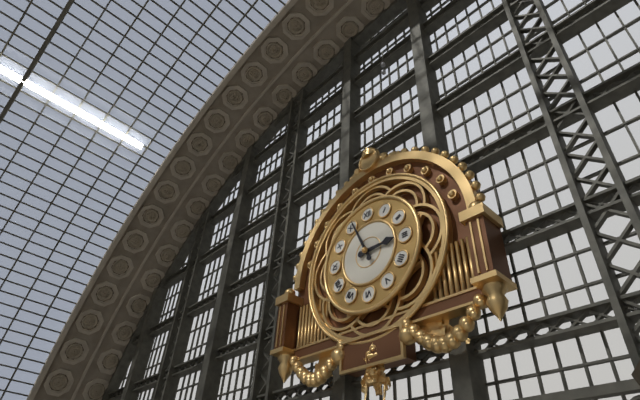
2:56
